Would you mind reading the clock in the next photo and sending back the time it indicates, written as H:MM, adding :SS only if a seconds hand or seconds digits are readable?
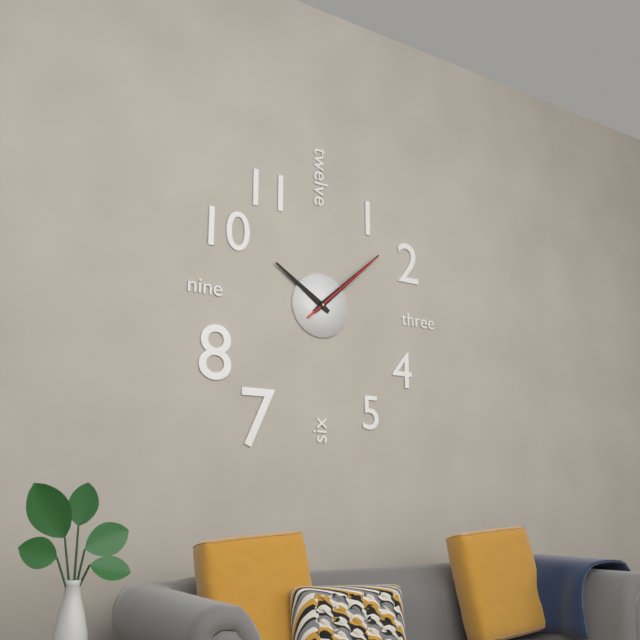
10:08:08
